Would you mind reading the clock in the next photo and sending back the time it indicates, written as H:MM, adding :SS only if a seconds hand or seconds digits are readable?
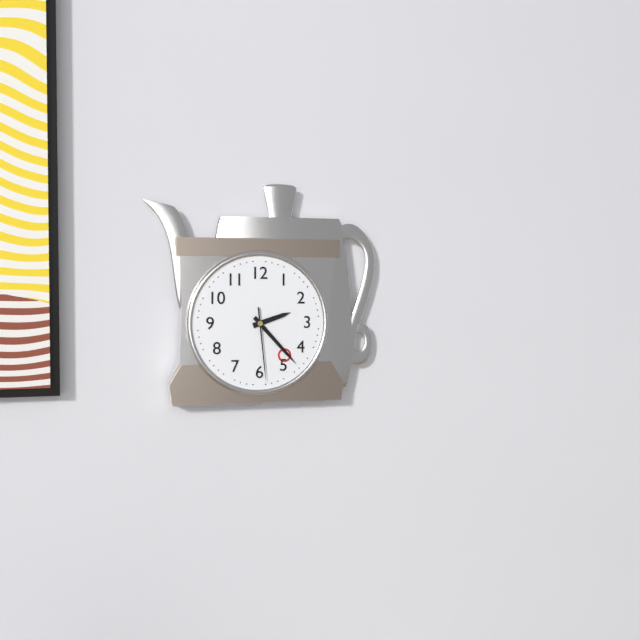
2:23:29
